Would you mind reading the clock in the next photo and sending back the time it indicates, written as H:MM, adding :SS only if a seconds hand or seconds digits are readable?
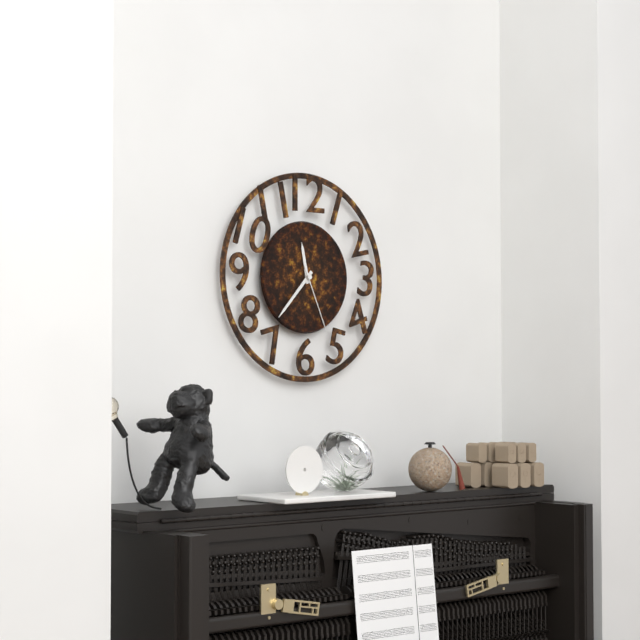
11:37:26
